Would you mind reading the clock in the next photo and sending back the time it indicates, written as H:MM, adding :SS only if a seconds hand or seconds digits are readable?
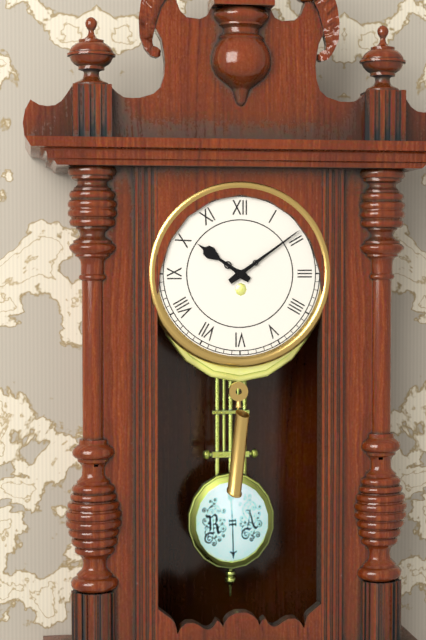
10:09
